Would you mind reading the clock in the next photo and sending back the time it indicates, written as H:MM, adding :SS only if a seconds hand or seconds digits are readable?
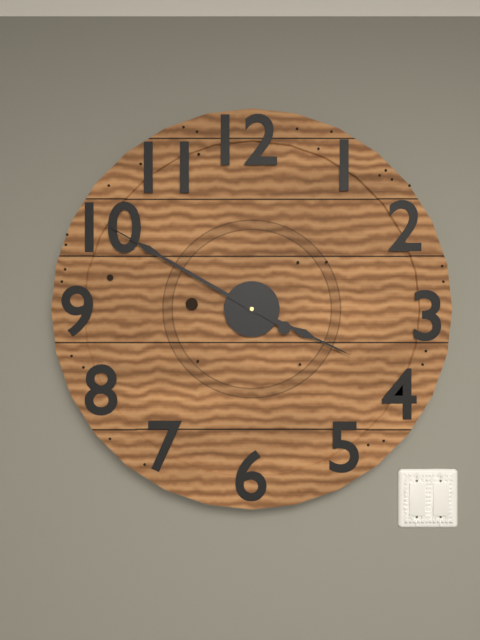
3:50
